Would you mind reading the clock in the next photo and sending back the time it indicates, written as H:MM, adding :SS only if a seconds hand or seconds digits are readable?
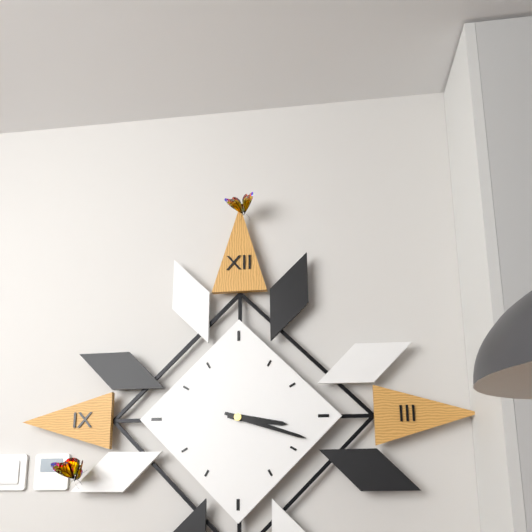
3:18
